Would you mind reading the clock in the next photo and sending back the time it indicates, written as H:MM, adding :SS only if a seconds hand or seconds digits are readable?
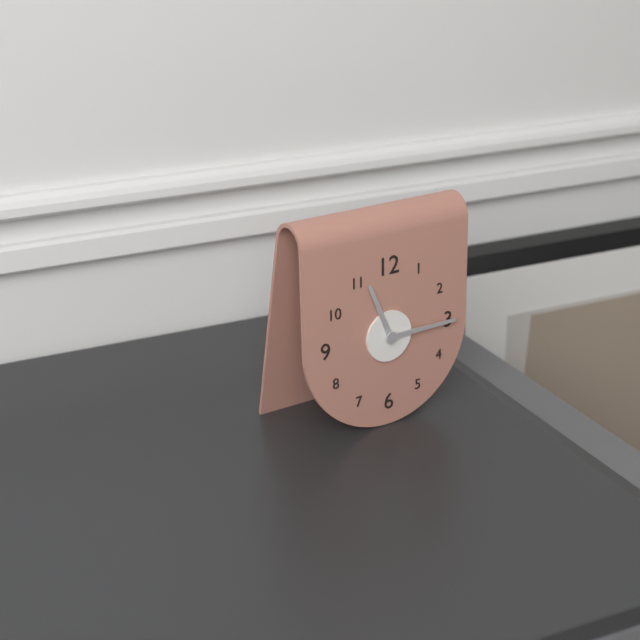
11:15
